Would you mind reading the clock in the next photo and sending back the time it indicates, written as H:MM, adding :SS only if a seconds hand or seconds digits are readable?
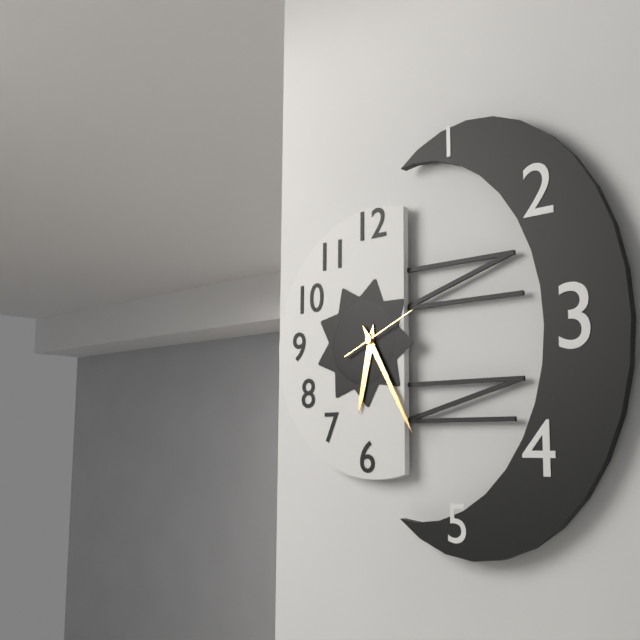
6:25:11
